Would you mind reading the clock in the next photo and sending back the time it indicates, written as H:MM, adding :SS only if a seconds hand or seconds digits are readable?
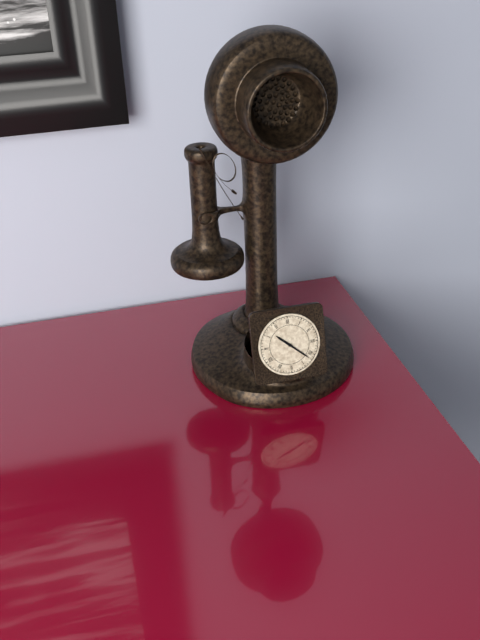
10:22
